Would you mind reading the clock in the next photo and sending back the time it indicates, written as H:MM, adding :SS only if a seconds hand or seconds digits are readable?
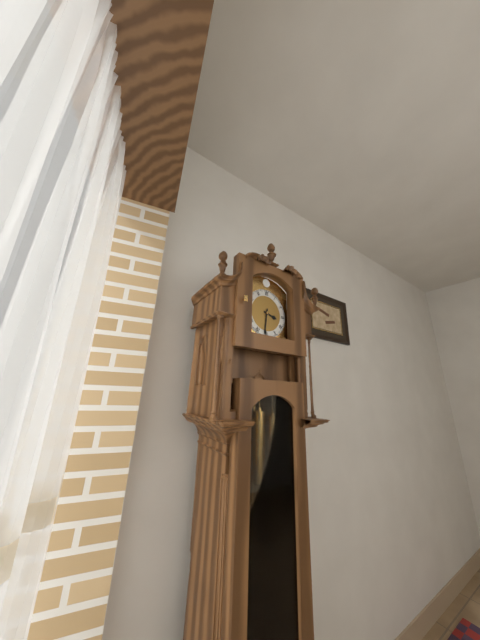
3:31
